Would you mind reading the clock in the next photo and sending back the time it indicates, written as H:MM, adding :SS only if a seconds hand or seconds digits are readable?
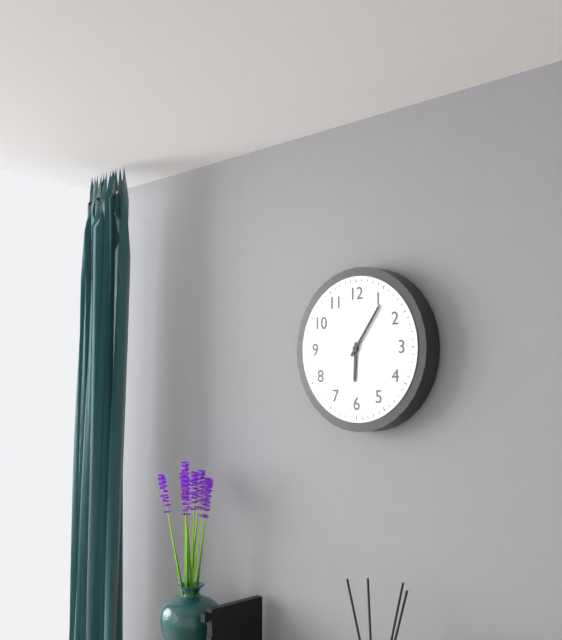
6:06
